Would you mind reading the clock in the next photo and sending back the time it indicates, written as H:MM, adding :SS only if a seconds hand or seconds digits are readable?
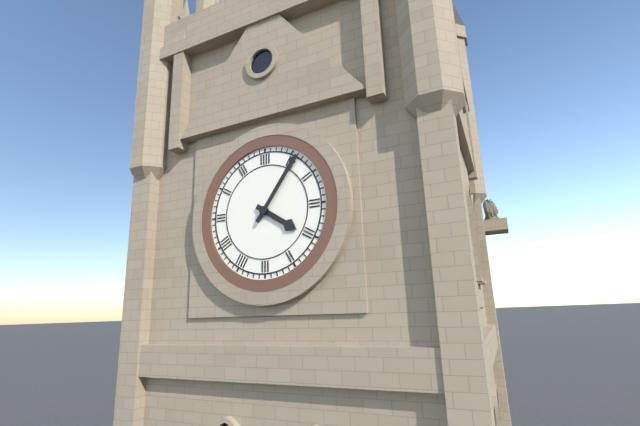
4:06
